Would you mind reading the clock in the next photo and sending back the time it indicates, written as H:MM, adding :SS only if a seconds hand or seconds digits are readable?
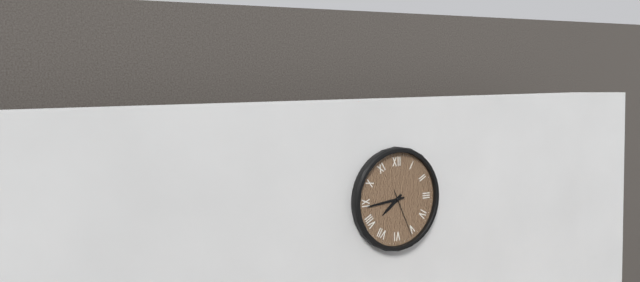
7:44:26
